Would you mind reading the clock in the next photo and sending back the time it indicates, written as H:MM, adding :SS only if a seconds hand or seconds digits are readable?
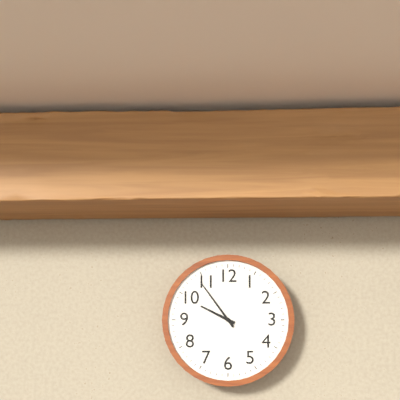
9:54
